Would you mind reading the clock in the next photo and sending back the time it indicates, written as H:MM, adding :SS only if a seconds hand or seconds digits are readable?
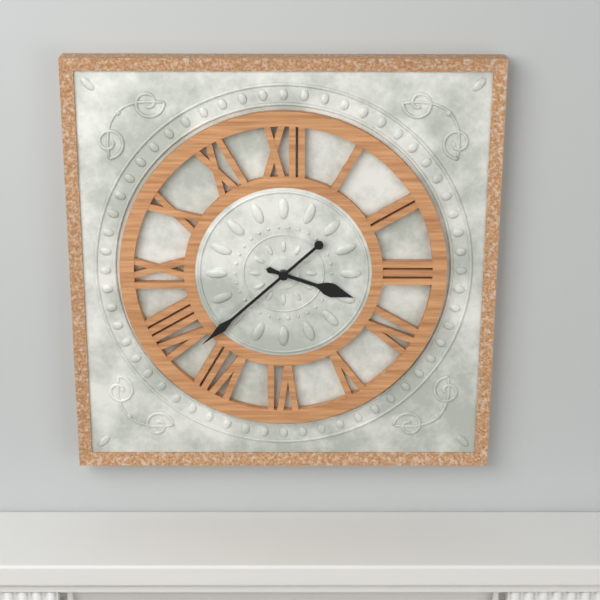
3:38
